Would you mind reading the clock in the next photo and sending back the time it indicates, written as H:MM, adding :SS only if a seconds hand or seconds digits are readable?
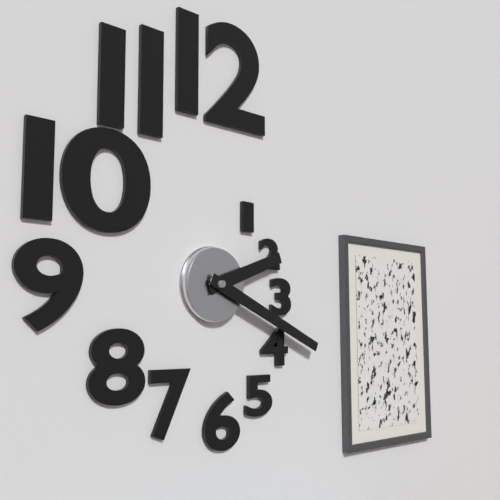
2:19
